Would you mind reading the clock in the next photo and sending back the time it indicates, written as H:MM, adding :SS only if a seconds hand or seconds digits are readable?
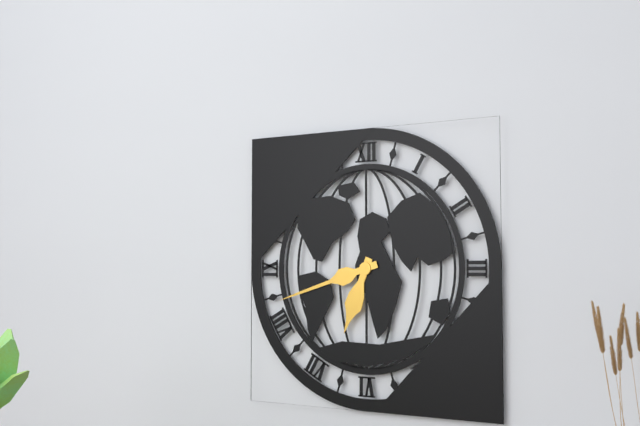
6:42
